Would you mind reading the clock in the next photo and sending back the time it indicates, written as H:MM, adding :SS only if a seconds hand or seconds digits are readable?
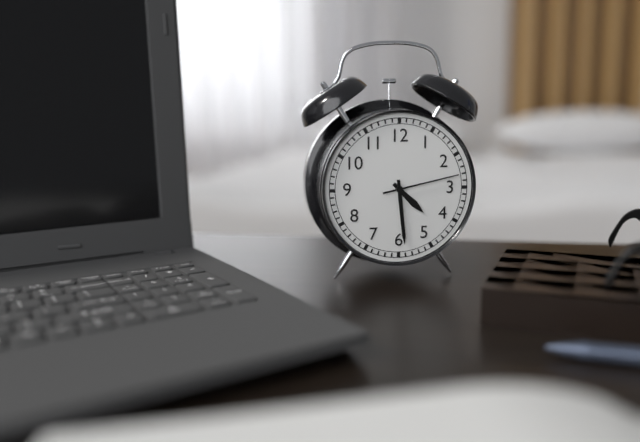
4:29:13
